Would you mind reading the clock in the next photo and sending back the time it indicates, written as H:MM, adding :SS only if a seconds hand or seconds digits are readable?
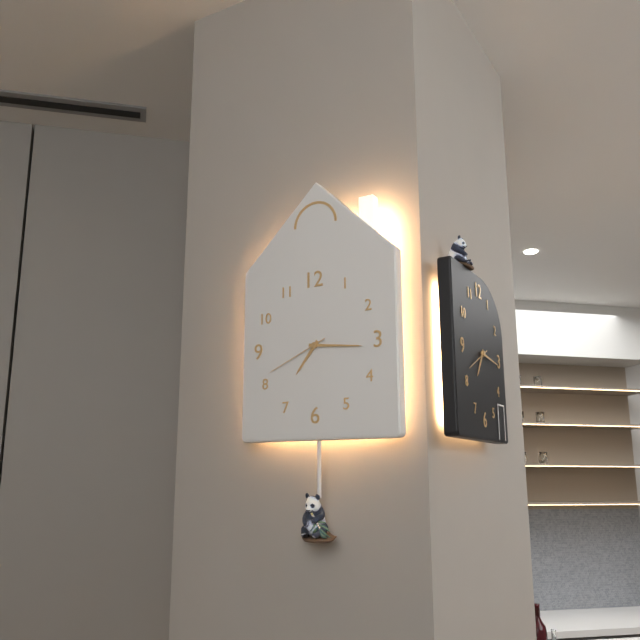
7:16:41
